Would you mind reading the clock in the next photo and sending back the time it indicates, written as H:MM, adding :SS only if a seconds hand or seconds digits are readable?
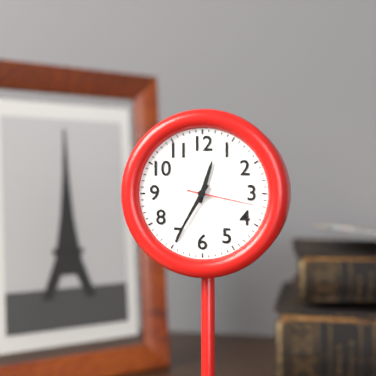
12:35:17
